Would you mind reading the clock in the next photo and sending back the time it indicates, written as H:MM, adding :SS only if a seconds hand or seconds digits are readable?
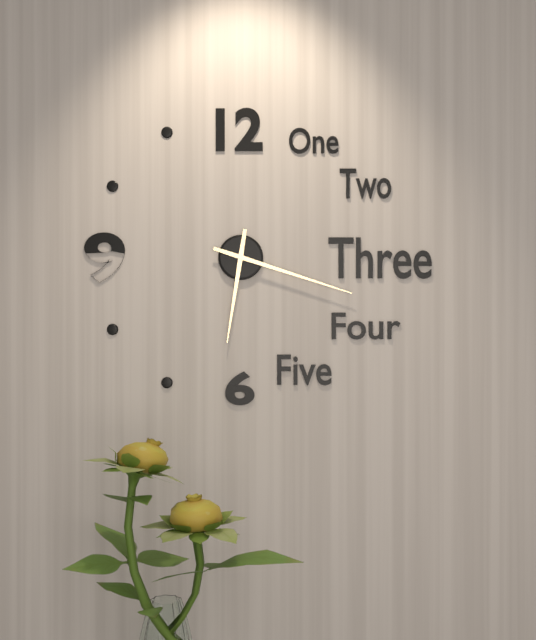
6:18
